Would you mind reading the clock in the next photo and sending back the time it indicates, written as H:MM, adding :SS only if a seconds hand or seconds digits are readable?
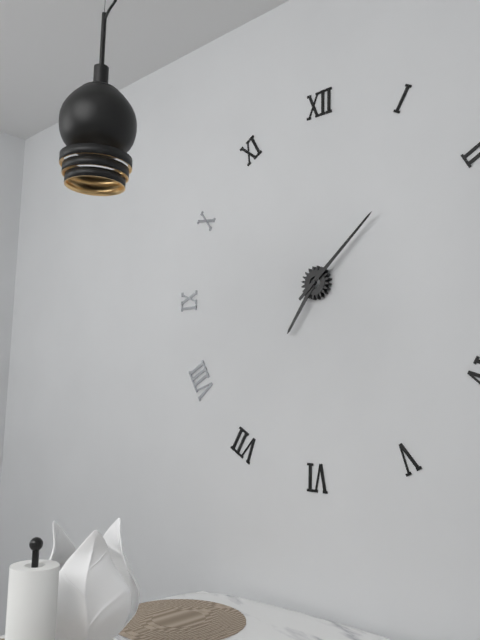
7:08
